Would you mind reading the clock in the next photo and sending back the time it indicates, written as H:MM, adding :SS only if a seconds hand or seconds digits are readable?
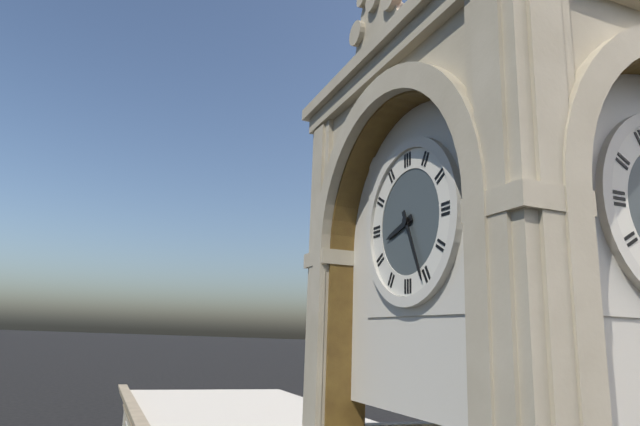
8:26
